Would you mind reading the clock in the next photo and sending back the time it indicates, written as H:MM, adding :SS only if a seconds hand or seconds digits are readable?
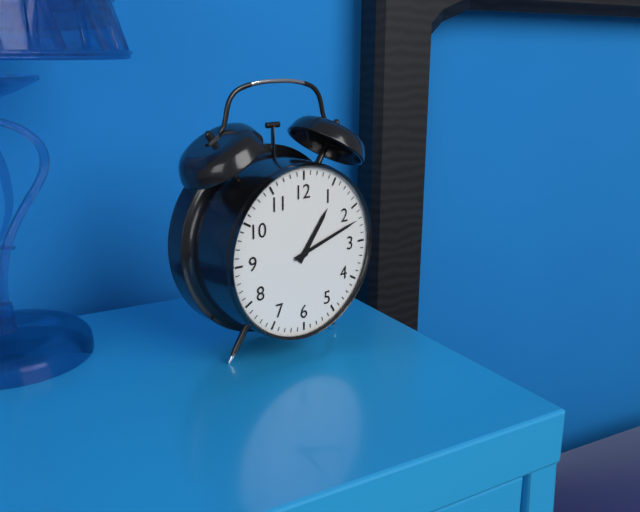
1:12
